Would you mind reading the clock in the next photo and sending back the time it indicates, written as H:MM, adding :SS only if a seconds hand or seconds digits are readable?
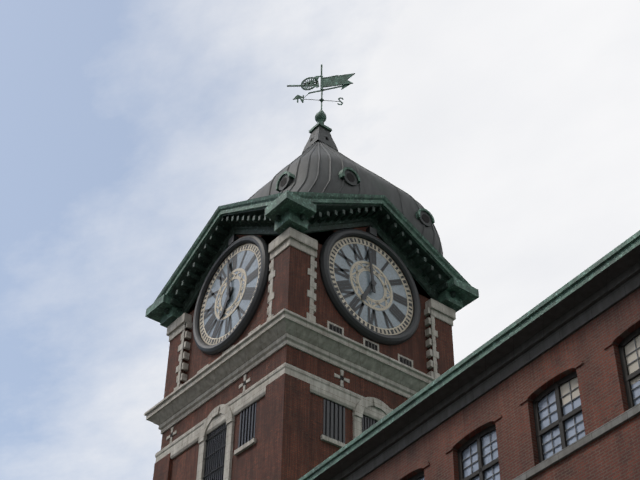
6:59
